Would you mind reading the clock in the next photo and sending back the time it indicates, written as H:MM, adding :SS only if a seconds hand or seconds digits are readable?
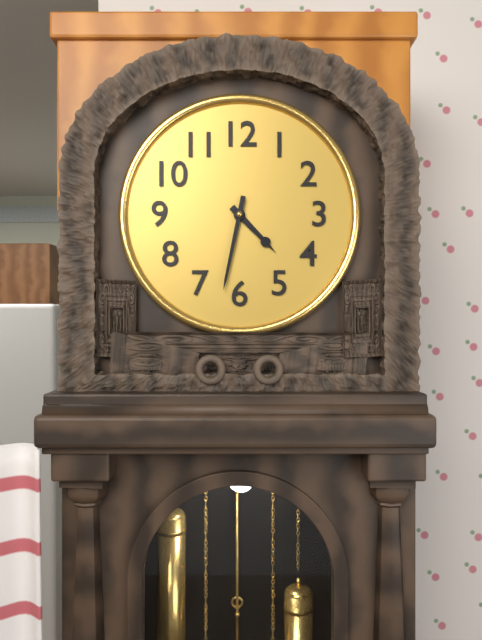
4:32
